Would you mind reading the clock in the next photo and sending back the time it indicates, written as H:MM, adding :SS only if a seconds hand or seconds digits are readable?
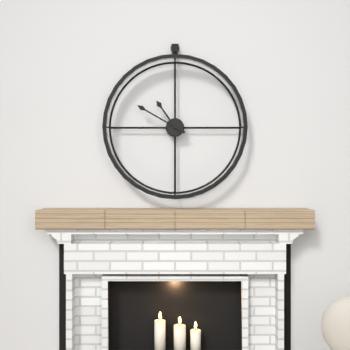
10:50
